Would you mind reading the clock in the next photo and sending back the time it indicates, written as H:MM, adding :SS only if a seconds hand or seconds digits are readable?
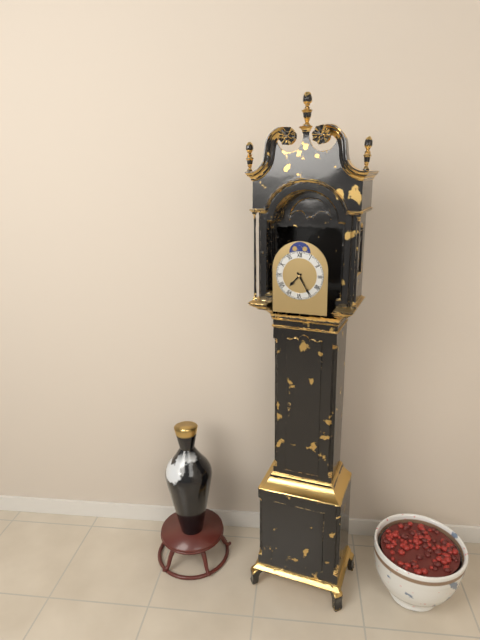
7:25
